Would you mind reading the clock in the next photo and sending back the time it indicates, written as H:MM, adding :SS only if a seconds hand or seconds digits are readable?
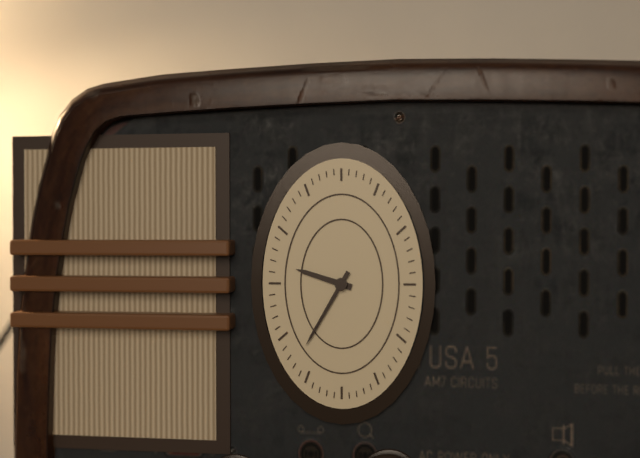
9:35
